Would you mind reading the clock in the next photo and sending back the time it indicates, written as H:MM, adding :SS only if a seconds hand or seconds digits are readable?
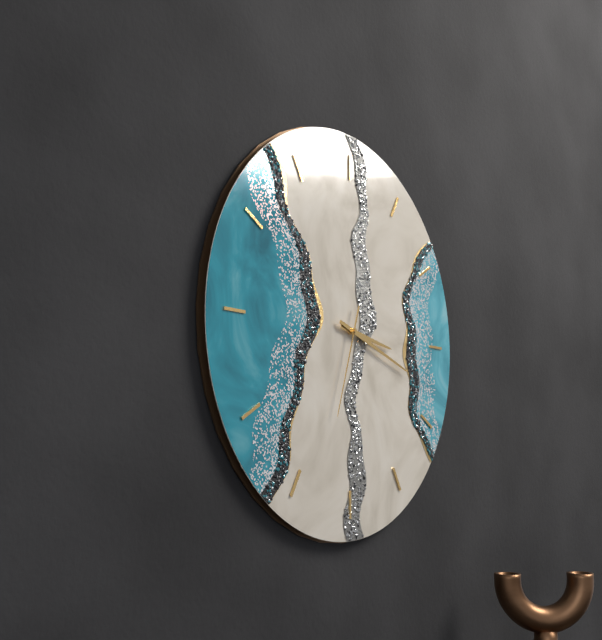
3:18:33
